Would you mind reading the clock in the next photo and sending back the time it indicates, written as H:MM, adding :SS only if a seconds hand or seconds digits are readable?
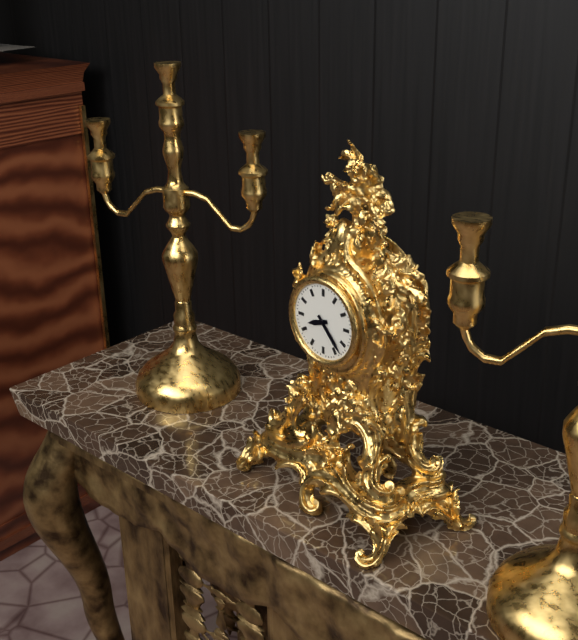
8:23
